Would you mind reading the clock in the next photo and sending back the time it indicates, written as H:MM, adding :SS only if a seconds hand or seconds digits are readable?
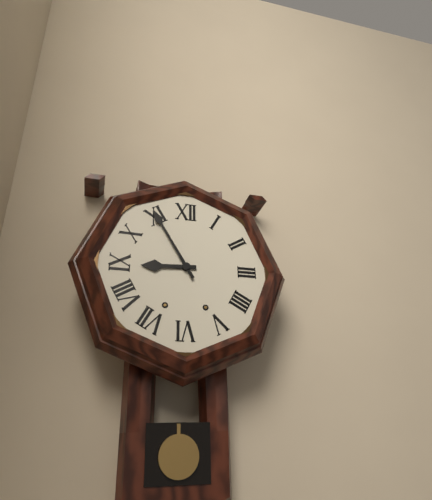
8:55
